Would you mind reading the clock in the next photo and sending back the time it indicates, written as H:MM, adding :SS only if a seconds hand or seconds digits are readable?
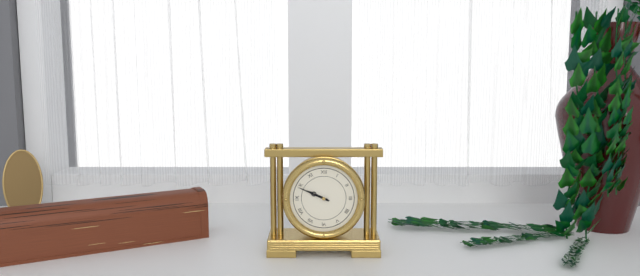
9:49
